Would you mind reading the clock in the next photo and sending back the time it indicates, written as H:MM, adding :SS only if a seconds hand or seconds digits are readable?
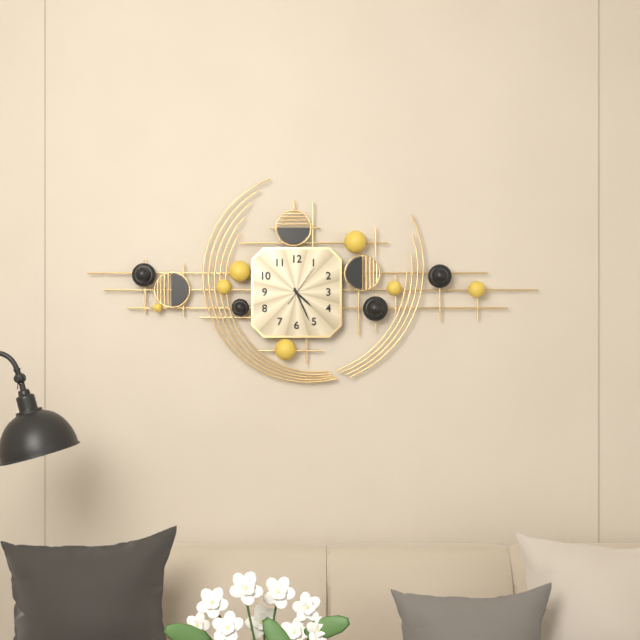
4:26
